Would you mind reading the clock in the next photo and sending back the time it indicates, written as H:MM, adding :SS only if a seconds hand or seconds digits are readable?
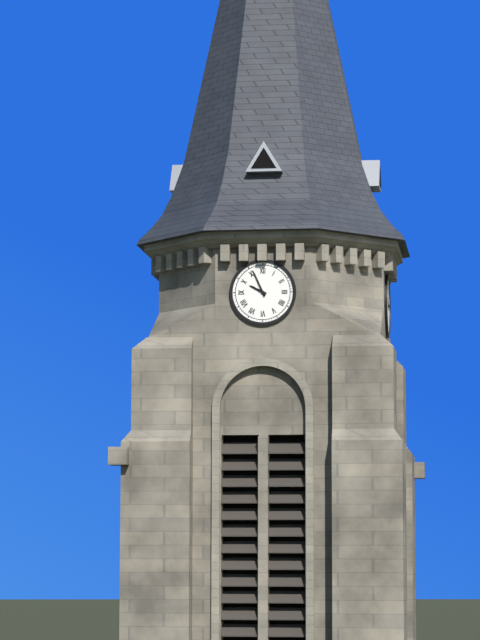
9:56
